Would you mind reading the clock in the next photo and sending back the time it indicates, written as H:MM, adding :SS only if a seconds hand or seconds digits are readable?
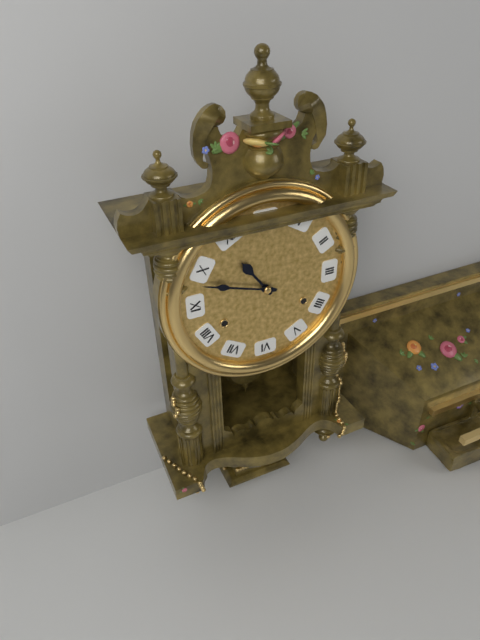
10:48
